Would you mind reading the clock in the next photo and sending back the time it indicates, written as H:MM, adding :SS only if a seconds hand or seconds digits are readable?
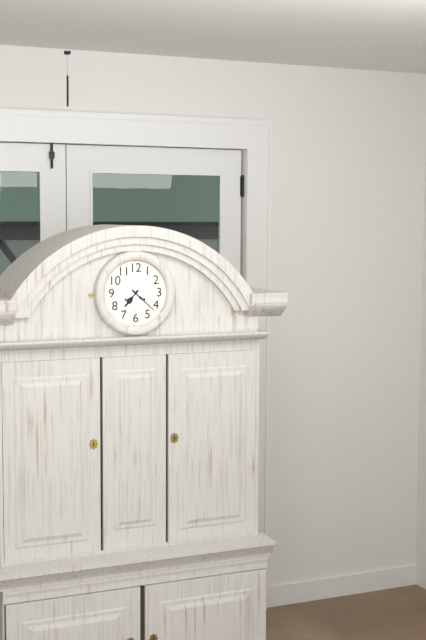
7:22
